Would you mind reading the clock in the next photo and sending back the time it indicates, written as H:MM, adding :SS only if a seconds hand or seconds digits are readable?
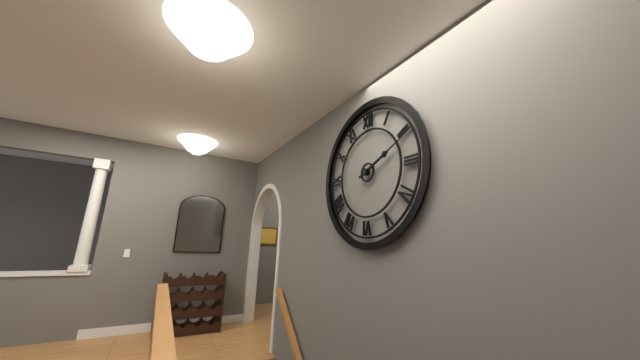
2:11
